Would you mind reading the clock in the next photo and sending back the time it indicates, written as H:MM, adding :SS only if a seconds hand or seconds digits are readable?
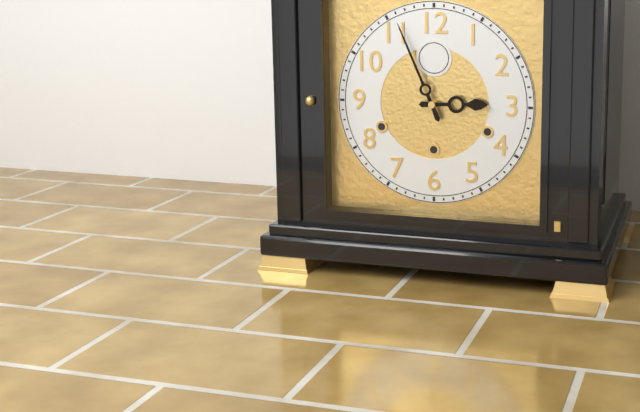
2:56
